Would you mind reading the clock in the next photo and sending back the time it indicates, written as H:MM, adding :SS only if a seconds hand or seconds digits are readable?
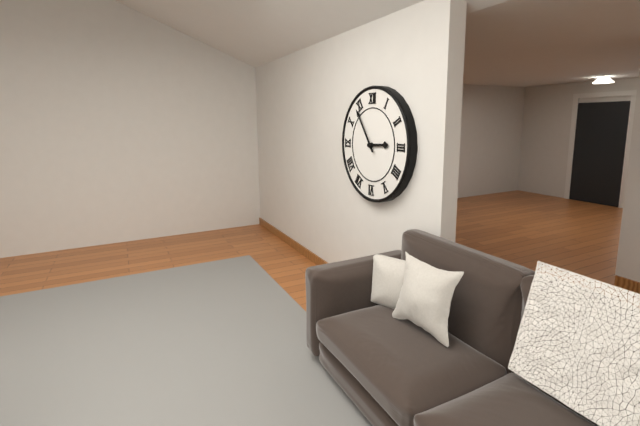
2:54
